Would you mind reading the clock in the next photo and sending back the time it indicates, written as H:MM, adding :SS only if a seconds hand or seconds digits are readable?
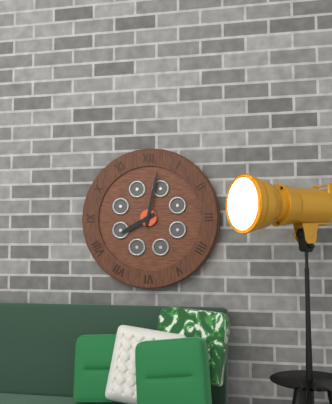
8:02
